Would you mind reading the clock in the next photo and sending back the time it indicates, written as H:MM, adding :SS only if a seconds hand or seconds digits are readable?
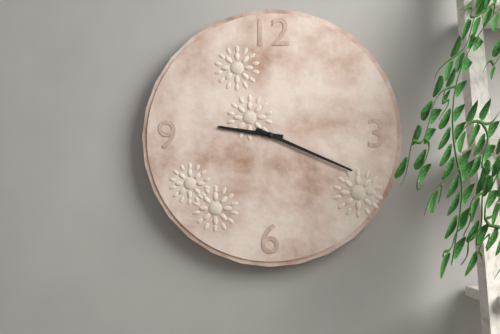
9:19
